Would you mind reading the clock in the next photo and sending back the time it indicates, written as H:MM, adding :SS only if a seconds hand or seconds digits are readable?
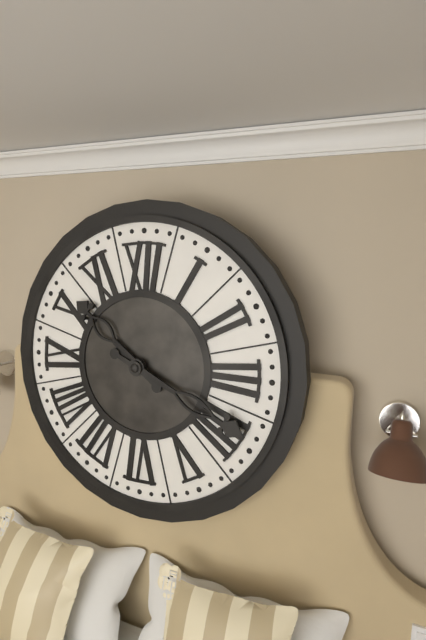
10:19
